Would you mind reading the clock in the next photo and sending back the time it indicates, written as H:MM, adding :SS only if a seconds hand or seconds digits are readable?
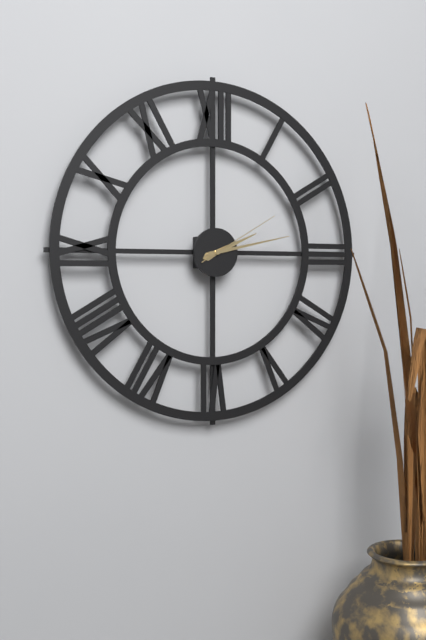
2:13:10
